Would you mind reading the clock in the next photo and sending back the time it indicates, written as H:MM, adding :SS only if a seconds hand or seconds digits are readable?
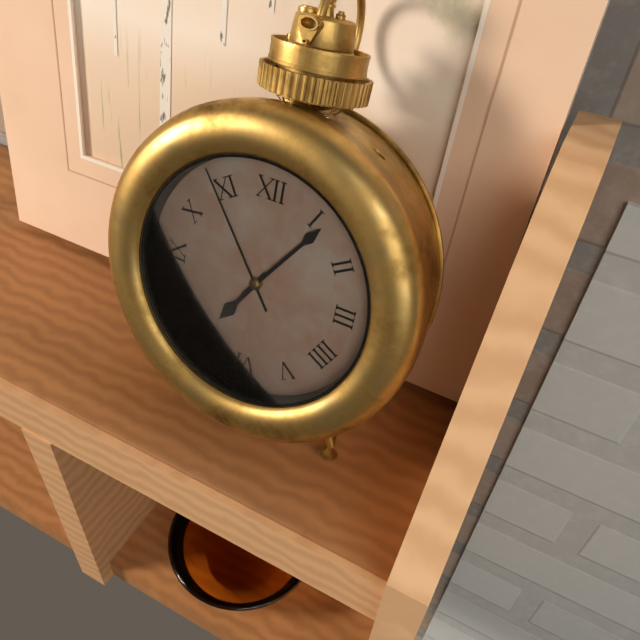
7:06:54
